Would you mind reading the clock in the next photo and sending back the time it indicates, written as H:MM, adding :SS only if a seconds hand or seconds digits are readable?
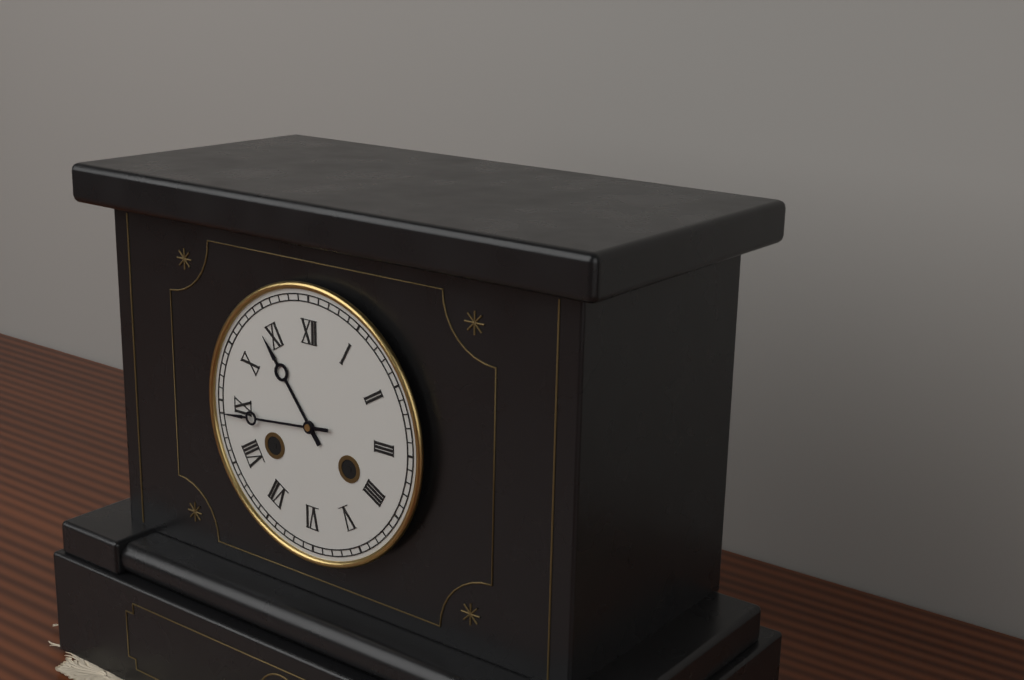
10:44
